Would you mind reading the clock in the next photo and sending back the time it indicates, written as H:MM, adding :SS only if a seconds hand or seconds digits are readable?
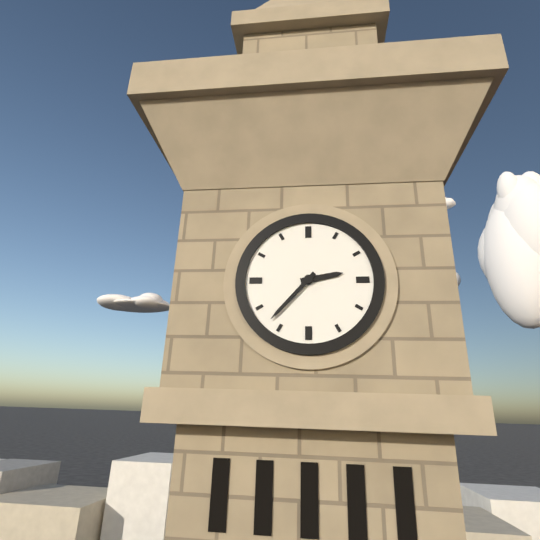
2:37
